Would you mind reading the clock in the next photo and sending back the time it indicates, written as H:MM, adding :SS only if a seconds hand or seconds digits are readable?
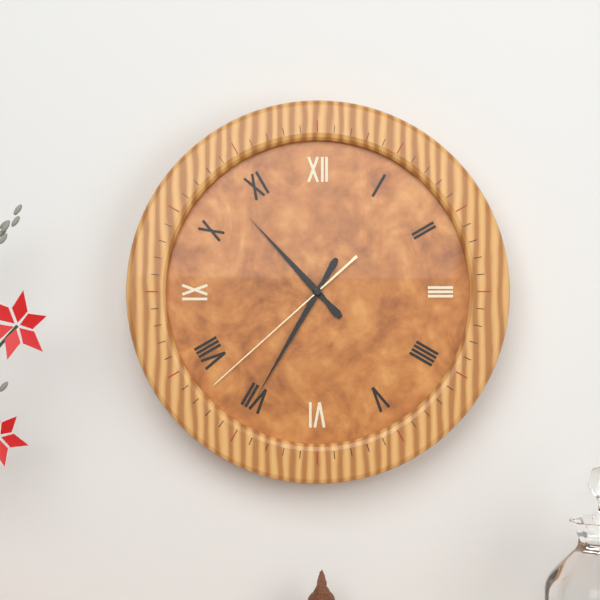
10:35:38
